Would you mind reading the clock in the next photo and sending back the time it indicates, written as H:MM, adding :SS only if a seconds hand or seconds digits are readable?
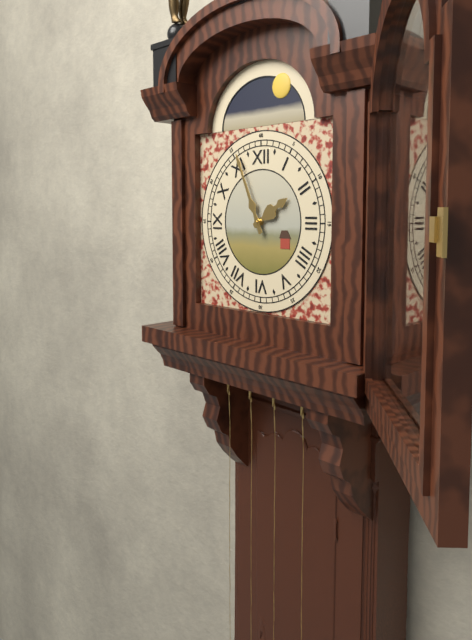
1:56
